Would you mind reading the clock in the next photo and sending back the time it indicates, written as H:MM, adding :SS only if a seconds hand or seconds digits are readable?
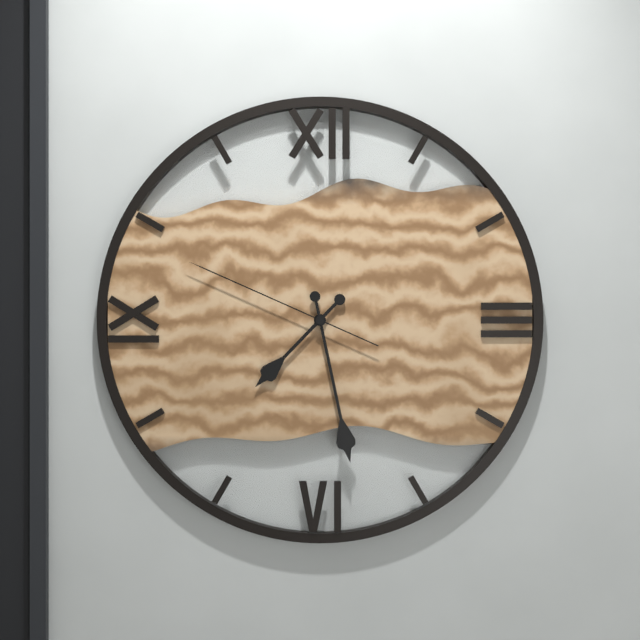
7:28:49
